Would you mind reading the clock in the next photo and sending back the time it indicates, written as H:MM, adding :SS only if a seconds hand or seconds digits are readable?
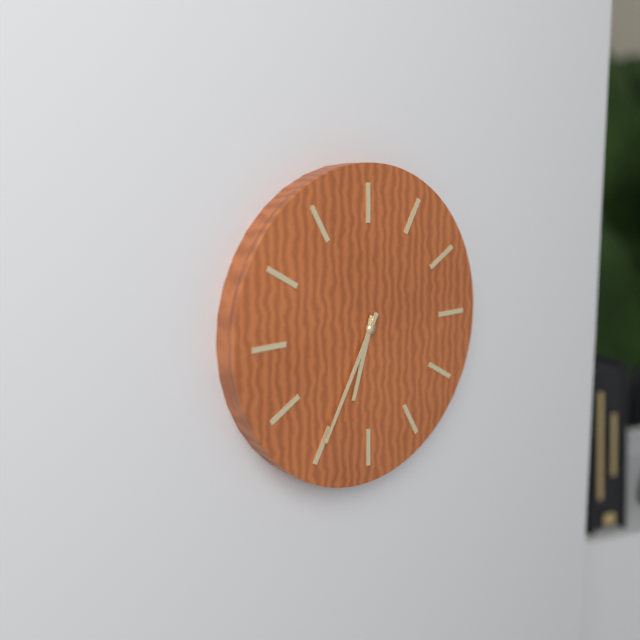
6:35
